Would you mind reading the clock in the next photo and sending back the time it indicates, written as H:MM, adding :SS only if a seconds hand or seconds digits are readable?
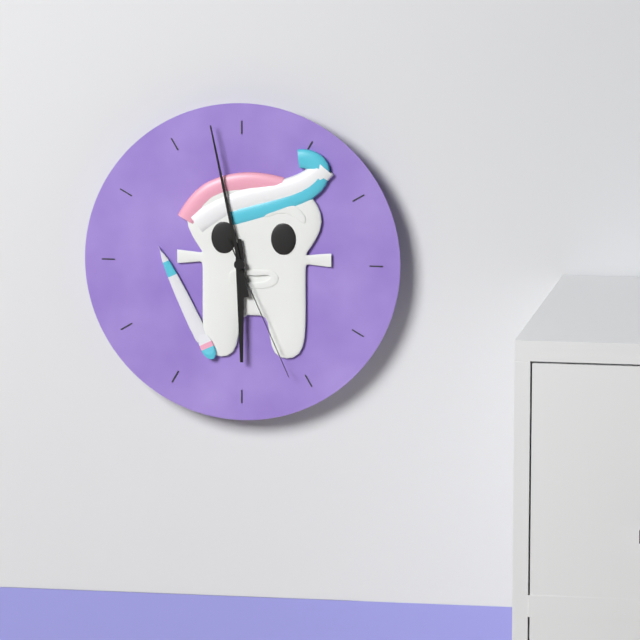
5:58:26
